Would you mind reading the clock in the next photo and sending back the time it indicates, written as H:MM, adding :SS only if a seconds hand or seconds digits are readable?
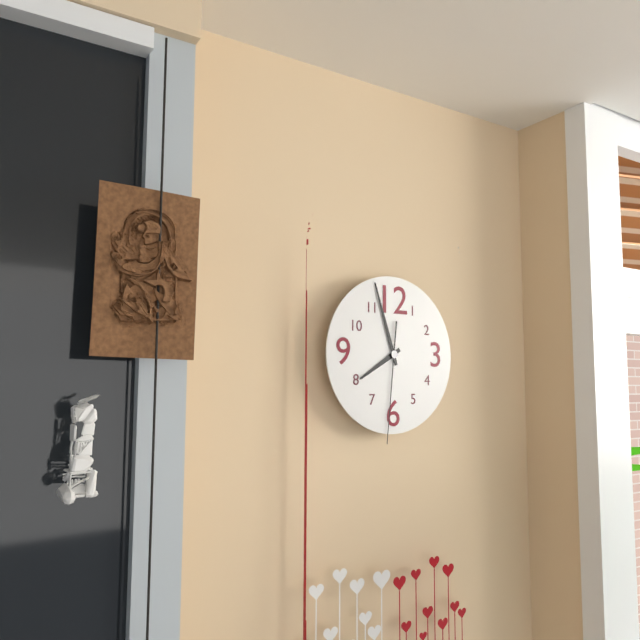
7:57:31
